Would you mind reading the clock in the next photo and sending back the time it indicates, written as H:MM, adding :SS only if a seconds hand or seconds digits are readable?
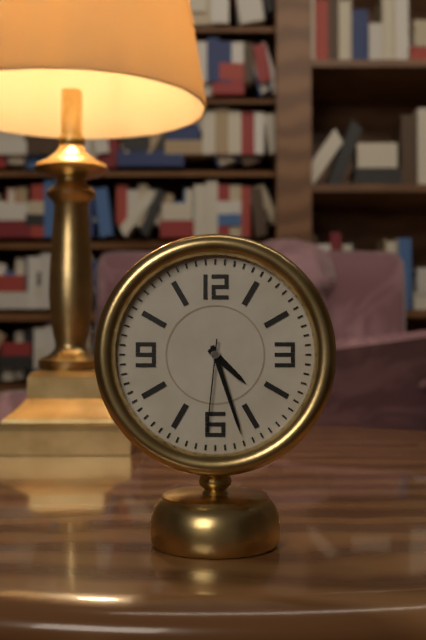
4:27:31
